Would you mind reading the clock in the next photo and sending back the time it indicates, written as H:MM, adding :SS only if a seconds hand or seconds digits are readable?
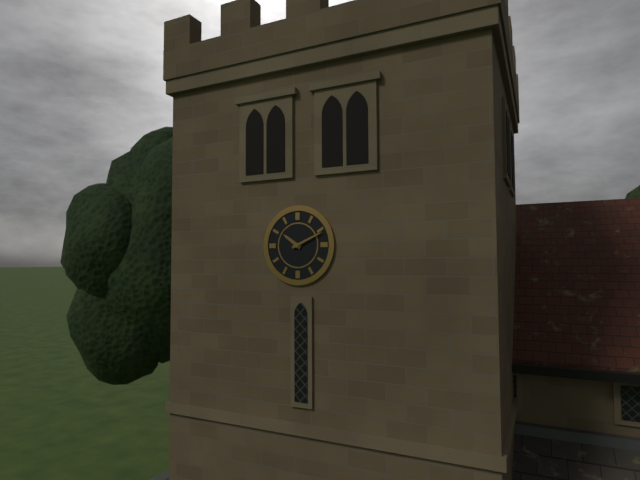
10:11
